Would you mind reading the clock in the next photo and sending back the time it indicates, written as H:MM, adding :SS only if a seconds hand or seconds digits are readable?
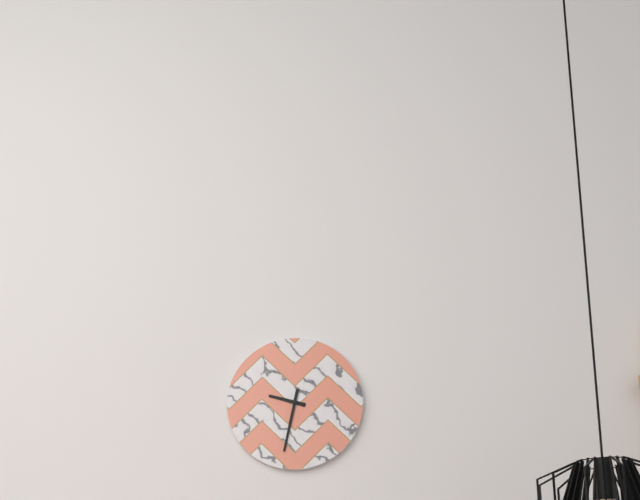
9:32
